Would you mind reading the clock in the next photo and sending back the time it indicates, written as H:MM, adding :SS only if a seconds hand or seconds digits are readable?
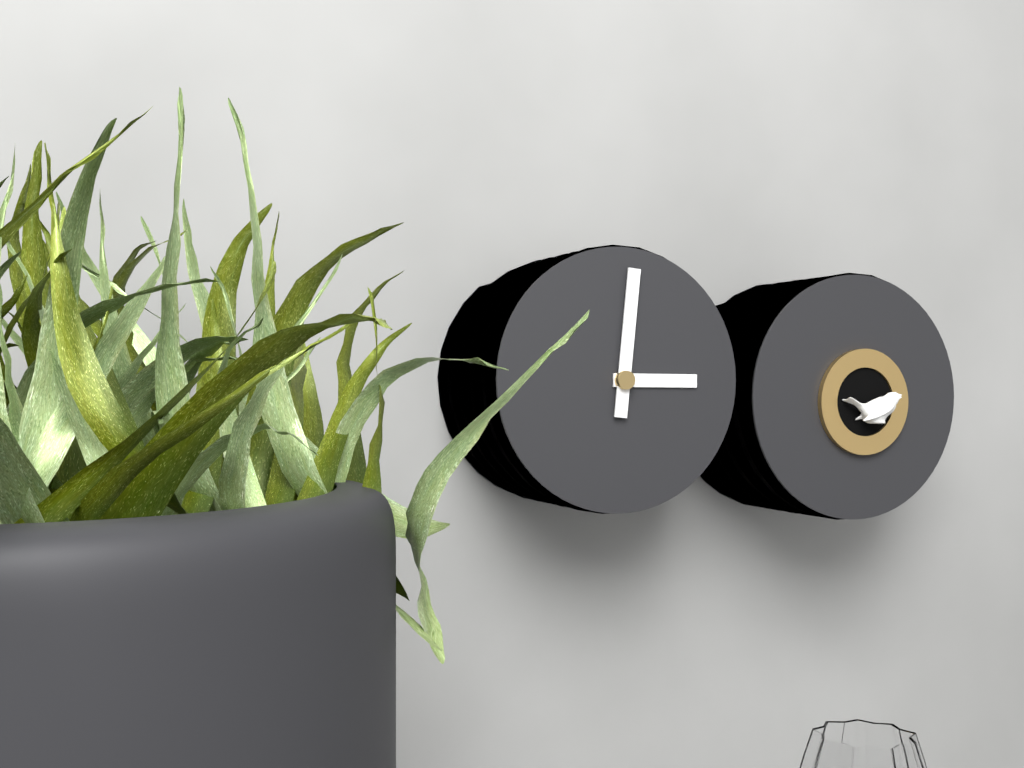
3:01
